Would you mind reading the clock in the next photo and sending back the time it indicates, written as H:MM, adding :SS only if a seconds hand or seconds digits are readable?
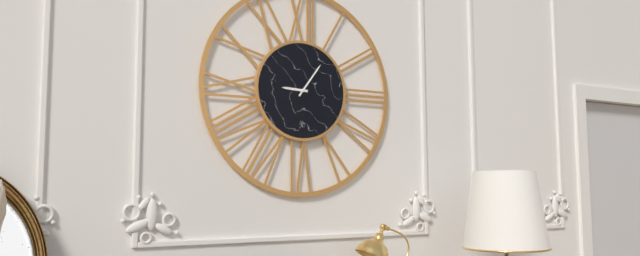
9:06
